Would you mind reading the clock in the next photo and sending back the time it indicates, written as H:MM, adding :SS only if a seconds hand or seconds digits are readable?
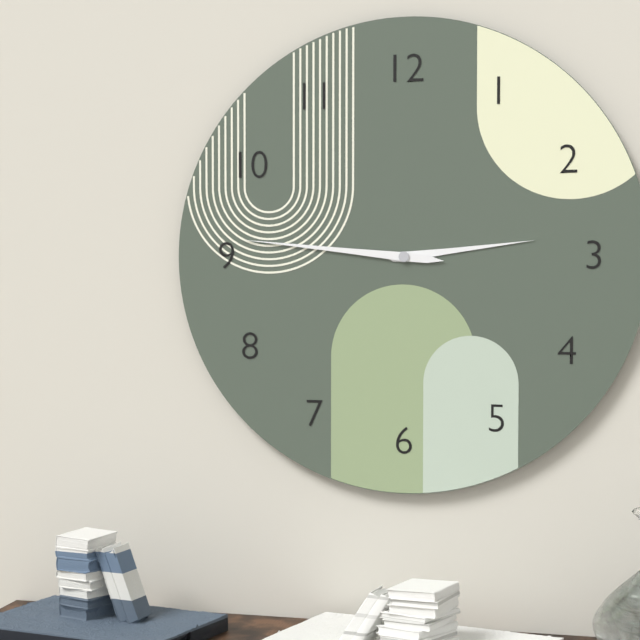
2:46
